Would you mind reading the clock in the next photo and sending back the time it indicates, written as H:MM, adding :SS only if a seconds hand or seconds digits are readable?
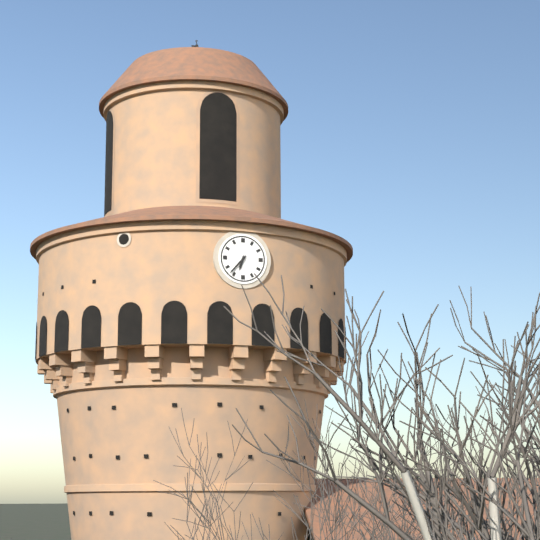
6:37
